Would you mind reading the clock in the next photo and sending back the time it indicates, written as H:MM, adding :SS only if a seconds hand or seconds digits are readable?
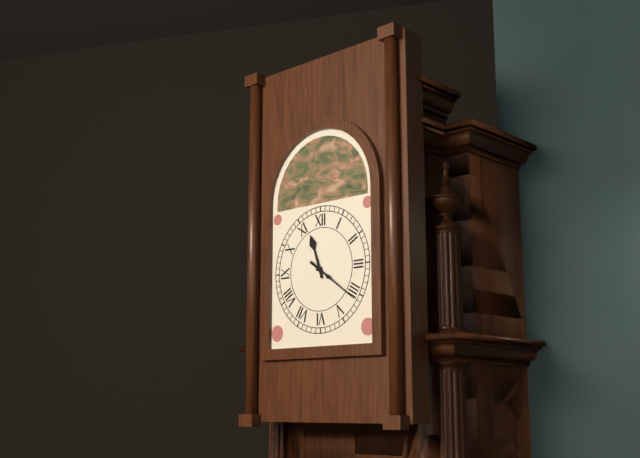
11:21
